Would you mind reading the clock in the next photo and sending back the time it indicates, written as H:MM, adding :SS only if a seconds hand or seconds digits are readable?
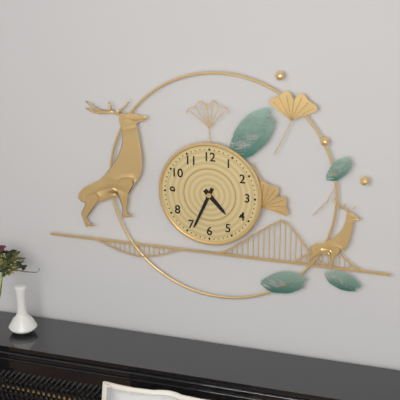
4:34
